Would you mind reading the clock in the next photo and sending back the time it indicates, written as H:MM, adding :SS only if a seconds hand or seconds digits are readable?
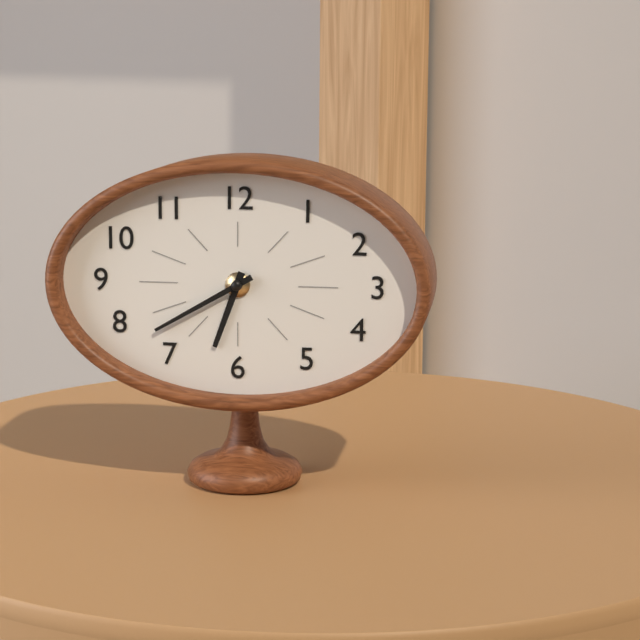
6:40
